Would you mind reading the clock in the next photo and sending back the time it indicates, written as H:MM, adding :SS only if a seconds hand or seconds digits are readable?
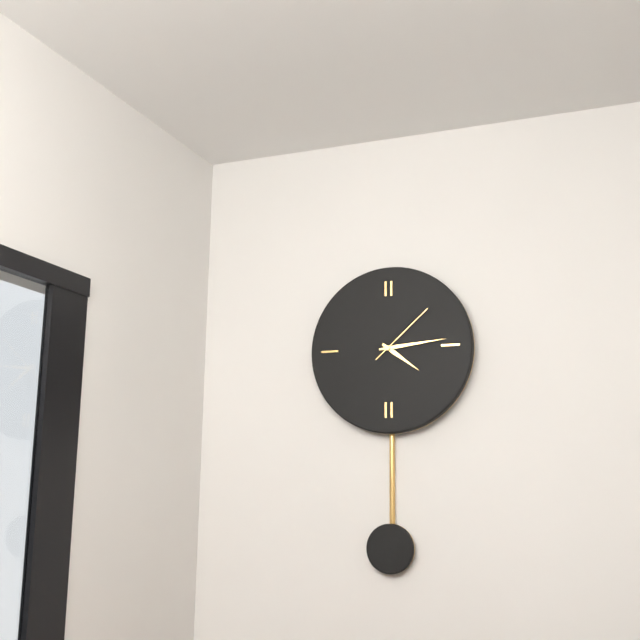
4:14:08
